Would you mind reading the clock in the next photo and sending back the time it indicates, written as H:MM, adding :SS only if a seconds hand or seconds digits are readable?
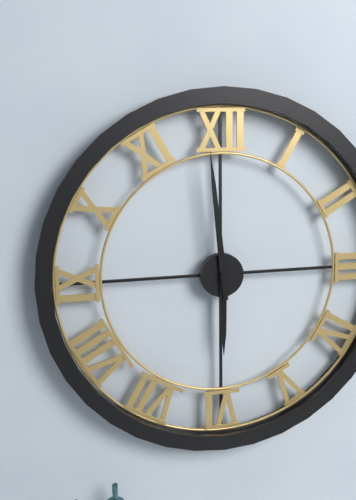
5:59
